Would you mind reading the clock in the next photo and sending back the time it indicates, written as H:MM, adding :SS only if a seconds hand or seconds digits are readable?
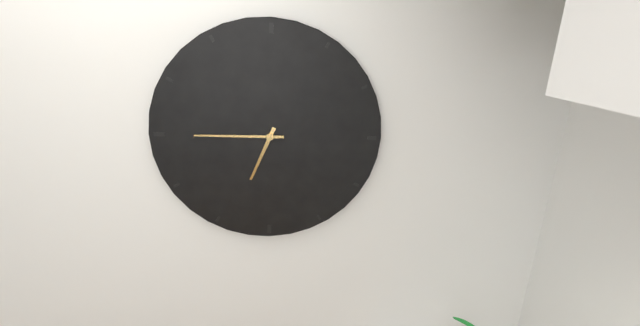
6:45
